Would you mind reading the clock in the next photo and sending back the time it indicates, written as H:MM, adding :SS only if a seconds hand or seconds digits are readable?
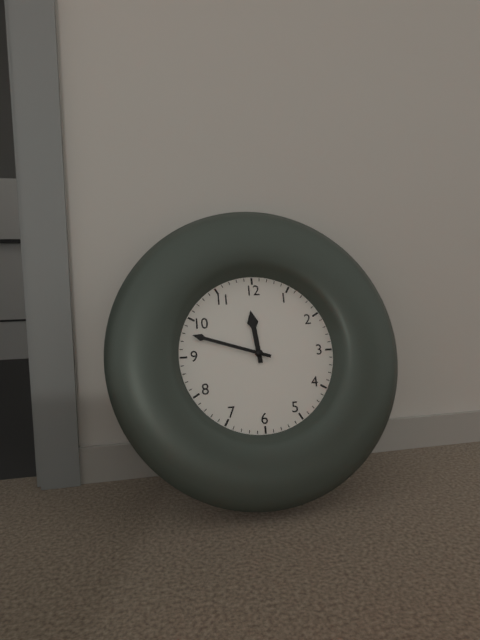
11:48
